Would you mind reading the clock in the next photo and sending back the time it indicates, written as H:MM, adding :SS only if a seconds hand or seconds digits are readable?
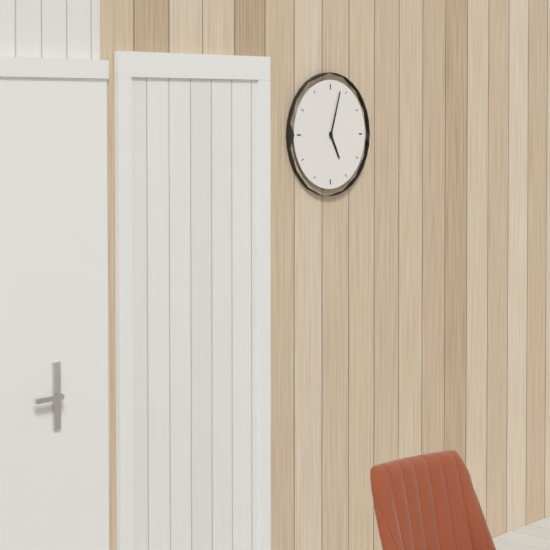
5:03
